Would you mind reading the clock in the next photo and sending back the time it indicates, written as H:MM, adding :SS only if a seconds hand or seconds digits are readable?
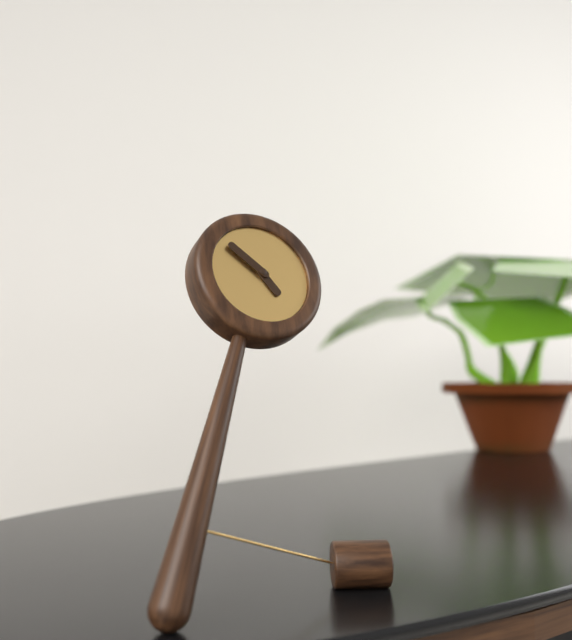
4:52
